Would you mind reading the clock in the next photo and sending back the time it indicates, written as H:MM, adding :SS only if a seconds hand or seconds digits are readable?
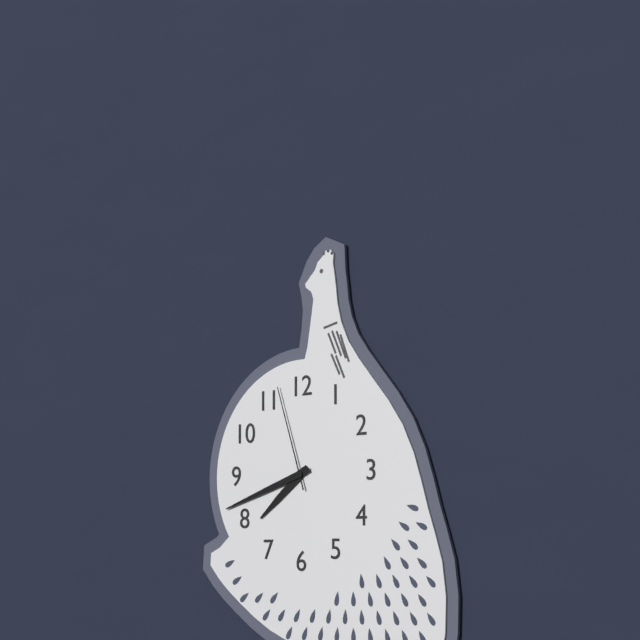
7:42:57
